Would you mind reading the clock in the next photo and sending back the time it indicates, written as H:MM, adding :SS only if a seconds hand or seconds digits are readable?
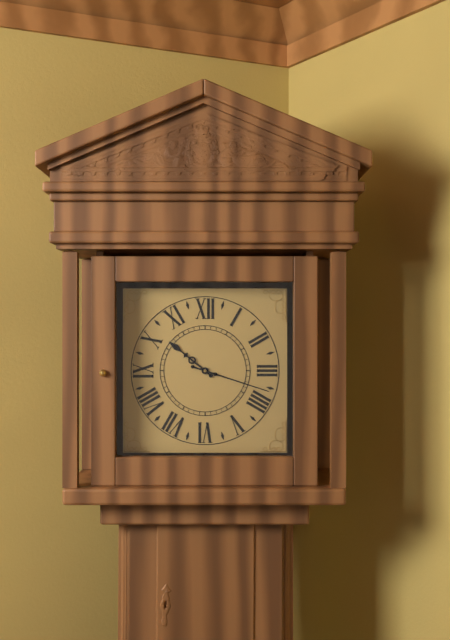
10:18
